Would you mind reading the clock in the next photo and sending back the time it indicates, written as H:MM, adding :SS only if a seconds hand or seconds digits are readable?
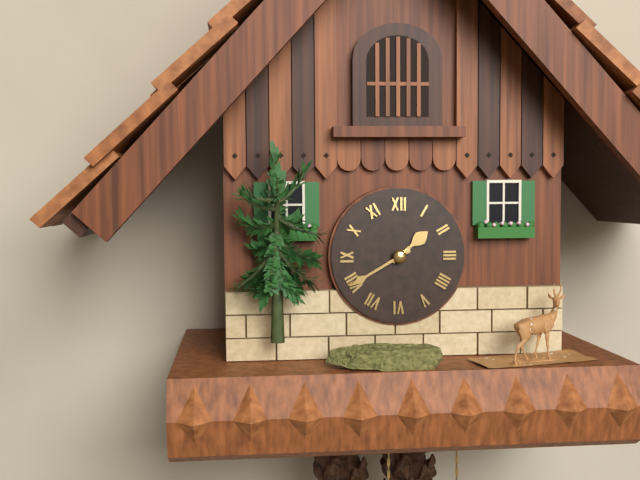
1:40
